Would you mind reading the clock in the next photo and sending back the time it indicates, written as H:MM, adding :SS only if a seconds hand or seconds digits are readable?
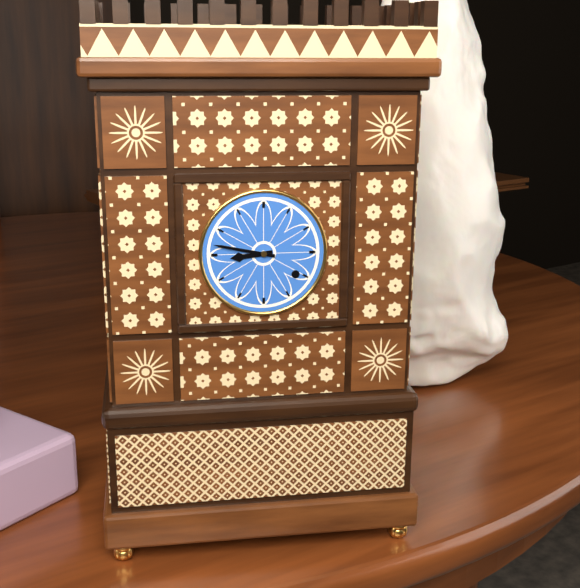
8:47
